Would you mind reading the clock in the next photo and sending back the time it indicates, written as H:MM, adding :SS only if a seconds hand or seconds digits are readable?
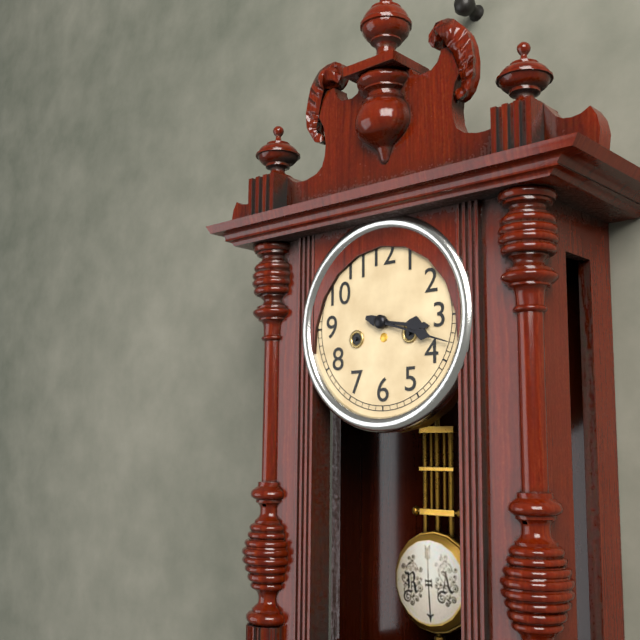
3:18
